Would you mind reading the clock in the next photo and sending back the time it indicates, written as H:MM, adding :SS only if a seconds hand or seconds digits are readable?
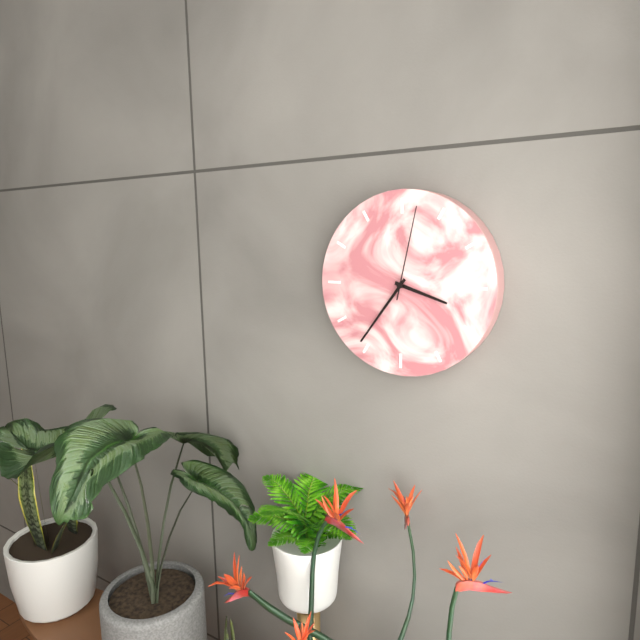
3:36:02
